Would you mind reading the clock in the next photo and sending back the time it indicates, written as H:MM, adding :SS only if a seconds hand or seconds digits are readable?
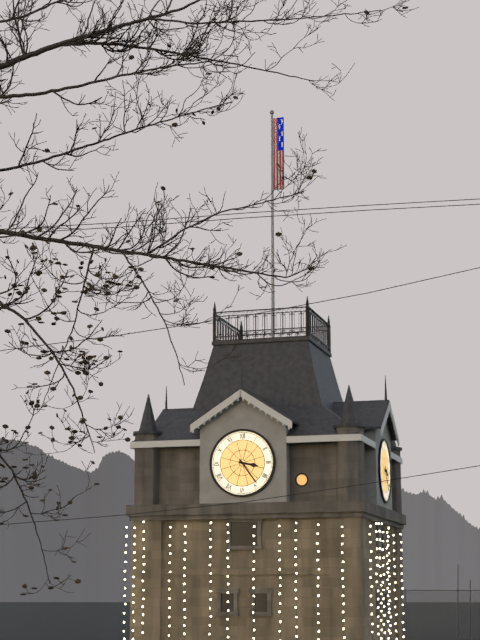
3:24
